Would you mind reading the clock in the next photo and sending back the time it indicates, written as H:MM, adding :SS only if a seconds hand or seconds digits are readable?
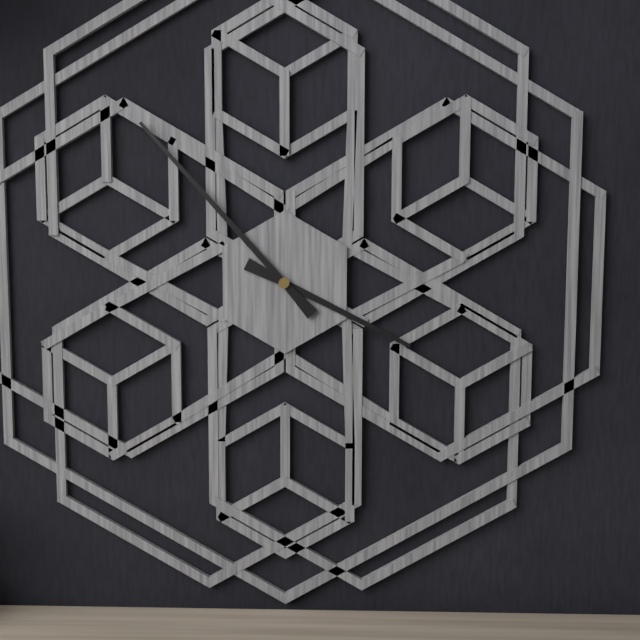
3:53
